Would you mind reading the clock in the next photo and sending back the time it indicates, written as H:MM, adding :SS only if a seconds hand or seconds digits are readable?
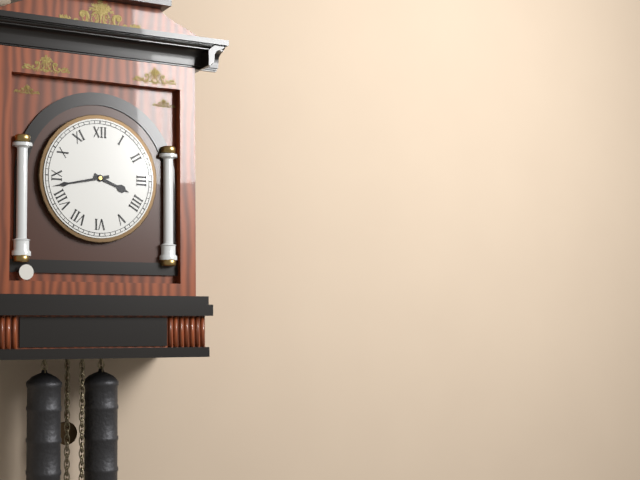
3:43
